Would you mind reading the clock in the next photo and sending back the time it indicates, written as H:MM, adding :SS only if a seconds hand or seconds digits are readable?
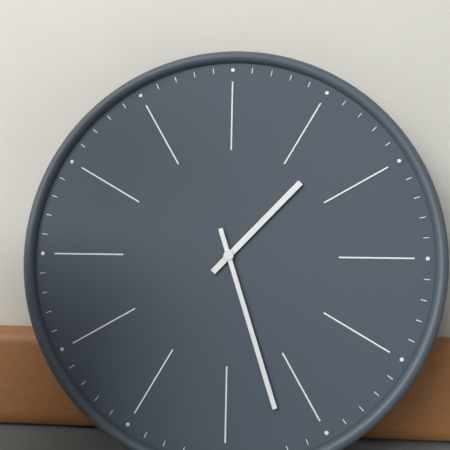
1:27
